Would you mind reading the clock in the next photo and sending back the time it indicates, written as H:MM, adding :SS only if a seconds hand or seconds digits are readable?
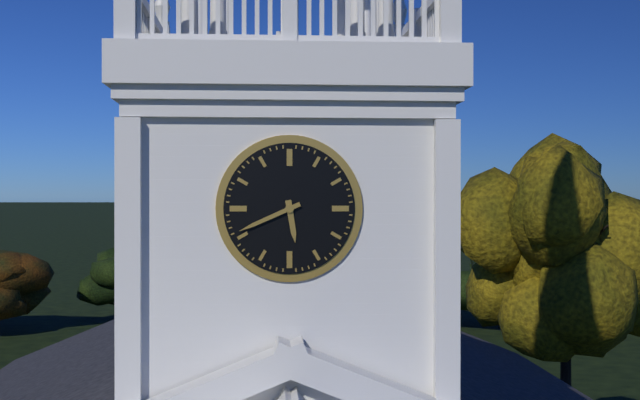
5:41
